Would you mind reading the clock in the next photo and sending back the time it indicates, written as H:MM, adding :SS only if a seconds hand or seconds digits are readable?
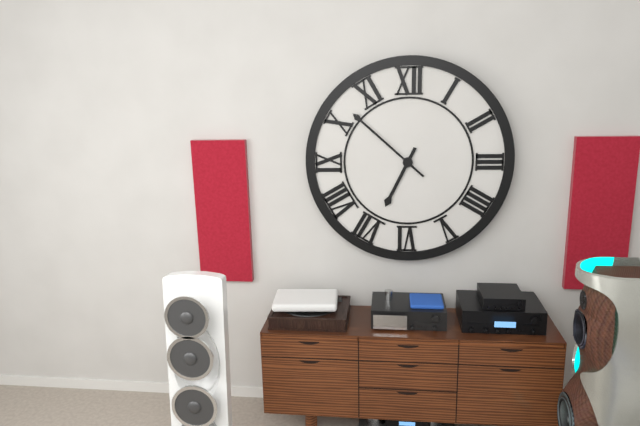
6:52
